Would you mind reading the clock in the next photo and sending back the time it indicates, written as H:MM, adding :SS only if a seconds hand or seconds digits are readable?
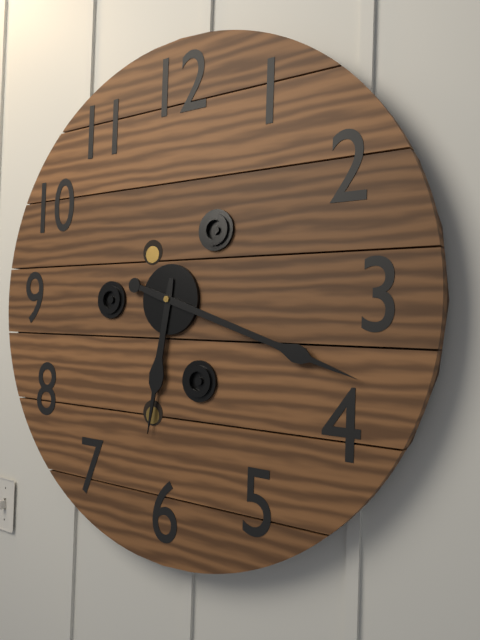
6:18
